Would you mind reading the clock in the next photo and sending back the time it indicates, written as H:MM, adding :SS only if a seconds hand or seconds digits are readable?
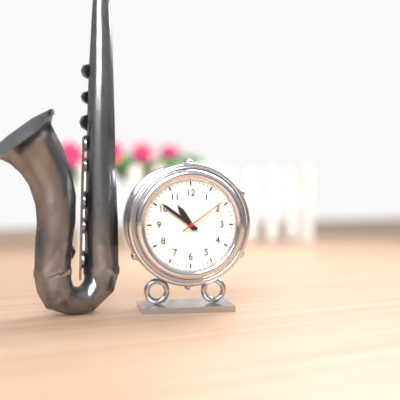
10:51
